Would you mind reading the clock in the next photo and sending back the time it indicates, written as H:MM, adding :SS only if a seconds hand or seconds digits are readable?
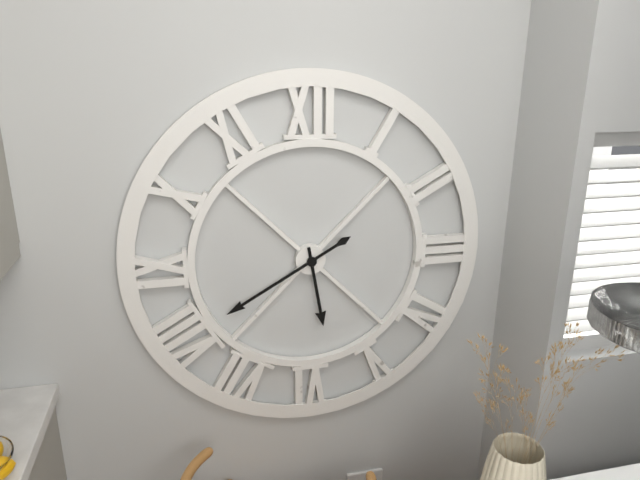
5:40
